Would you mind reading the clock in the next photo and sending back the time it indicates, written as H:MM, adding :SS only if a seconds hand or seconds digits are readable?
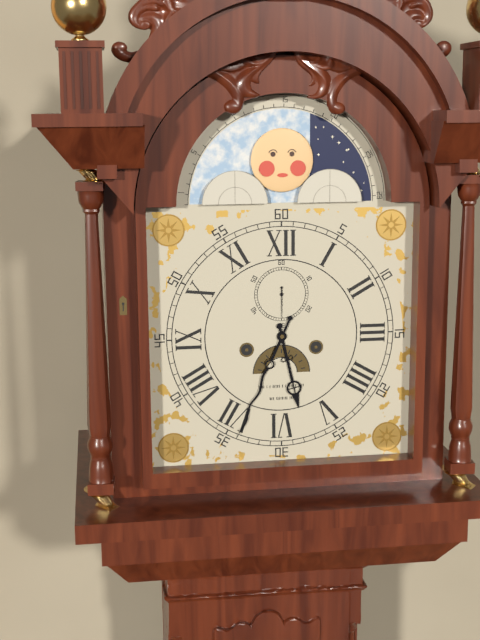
5:34
